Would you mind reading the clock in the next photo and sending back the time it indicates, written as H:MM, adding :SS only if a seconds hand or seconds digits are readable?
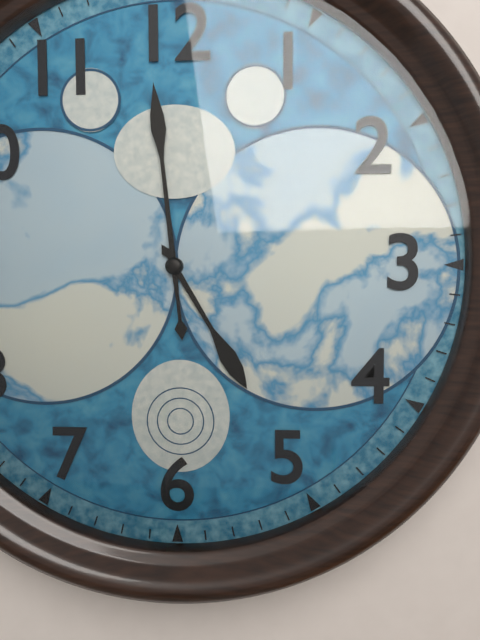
4:59
